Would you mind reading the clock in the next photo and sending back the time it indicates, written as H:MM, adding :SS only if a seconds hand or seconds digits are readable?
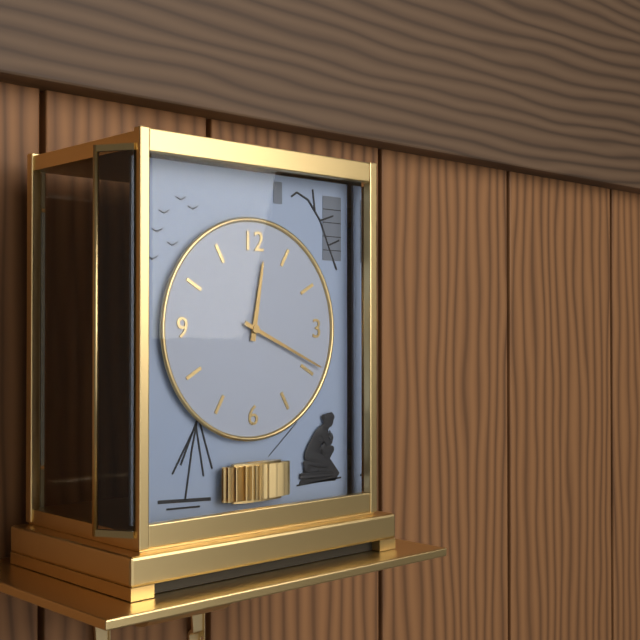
12:19
